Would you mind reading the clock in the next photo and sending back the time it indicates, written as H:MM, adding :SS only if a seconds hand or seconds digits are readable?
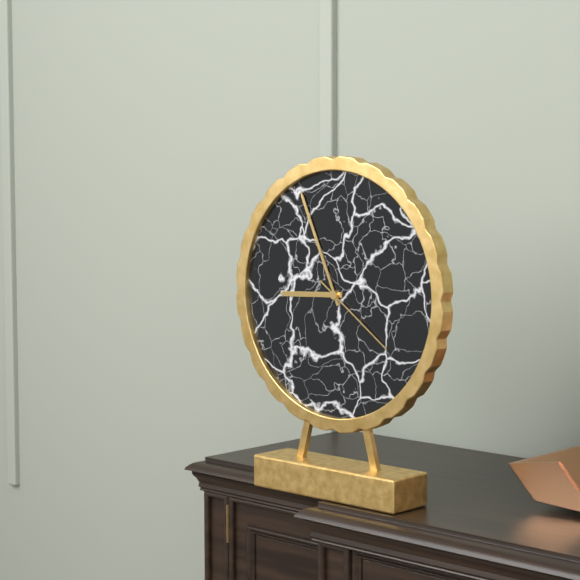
8:56:21
